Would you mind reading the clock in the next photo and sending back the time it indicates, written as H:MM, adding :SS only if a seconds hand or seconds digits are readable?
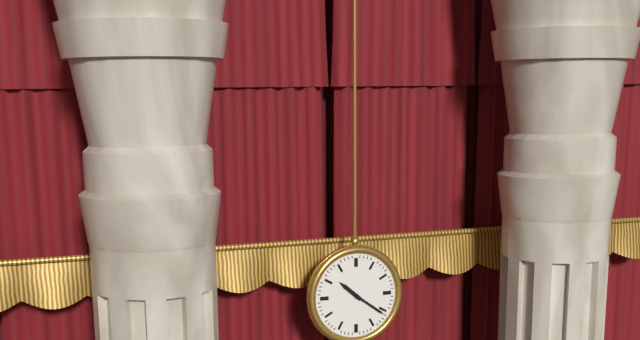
10:21
